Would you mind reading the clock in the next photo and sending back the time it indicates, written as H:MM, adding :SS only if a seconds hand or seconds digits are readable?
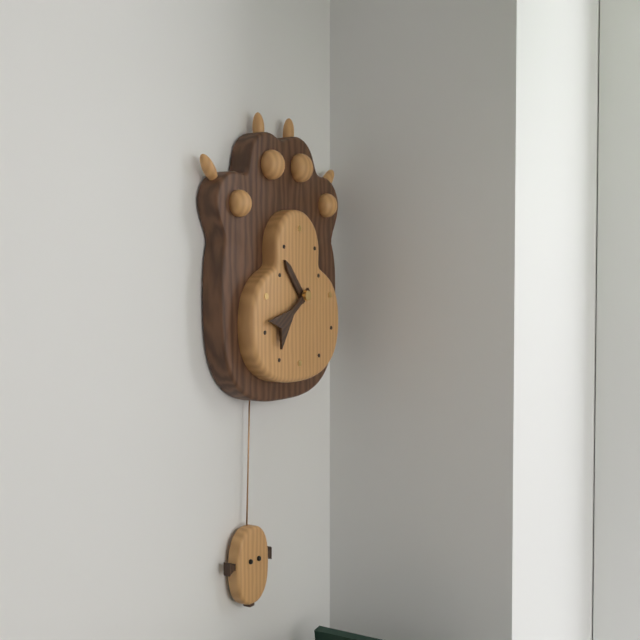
10:39
